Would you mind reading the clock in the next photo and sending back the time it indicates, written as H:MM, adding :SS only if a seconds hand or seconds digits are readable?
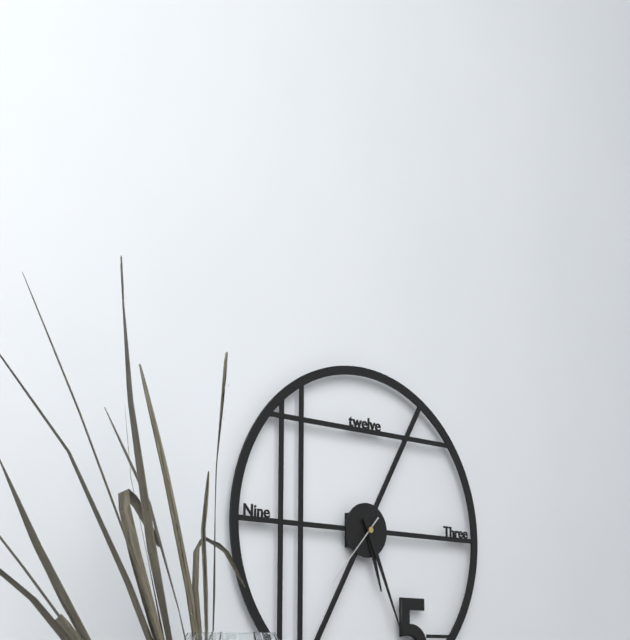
5:26:37
